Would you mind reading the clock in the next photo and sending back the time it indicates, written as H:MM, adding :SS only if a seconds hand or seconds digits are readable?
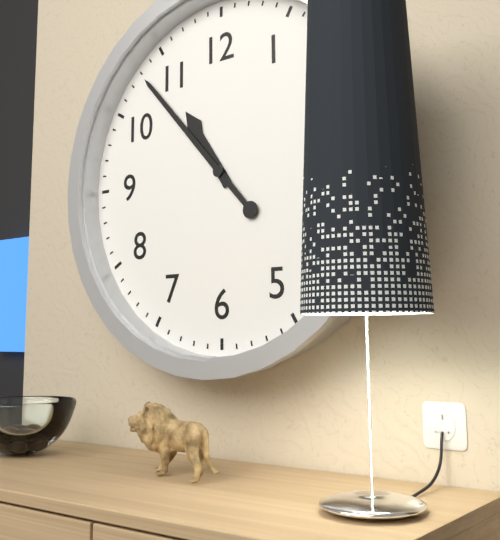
10:53
